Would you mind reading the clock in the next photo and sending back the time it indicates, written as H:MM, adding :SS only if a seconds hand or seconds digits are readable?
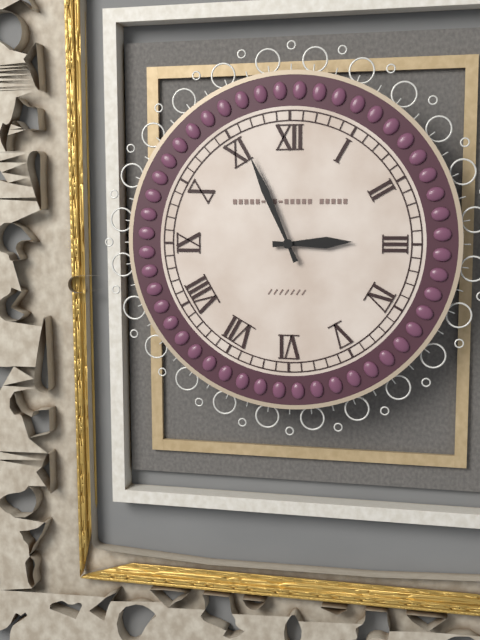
2:56
